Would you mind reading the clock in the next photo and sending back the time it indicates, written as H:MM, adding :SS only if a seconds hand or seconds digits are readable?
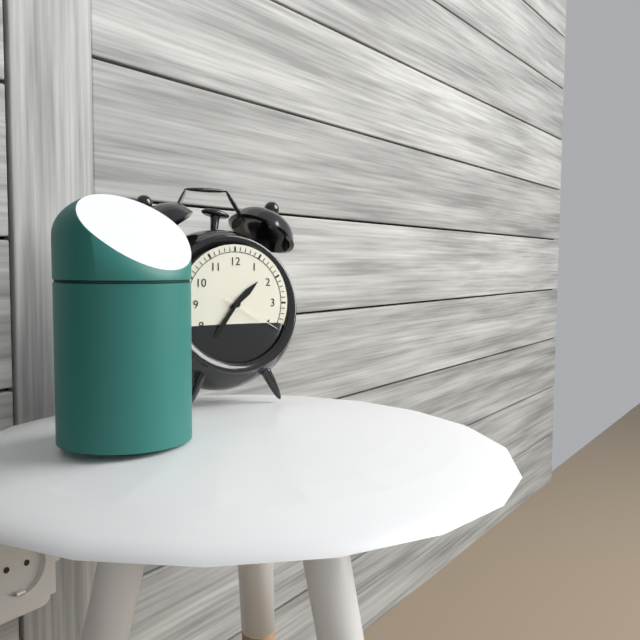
1:36:20
